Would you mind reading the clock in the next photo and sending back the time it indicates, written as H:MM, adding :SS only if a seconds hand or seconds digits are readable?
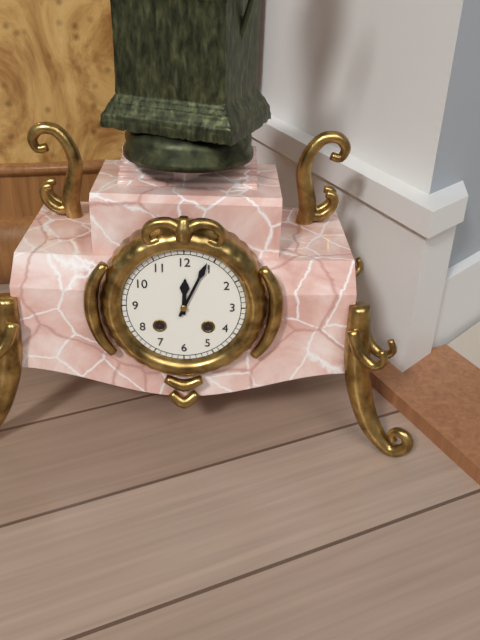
12:04
